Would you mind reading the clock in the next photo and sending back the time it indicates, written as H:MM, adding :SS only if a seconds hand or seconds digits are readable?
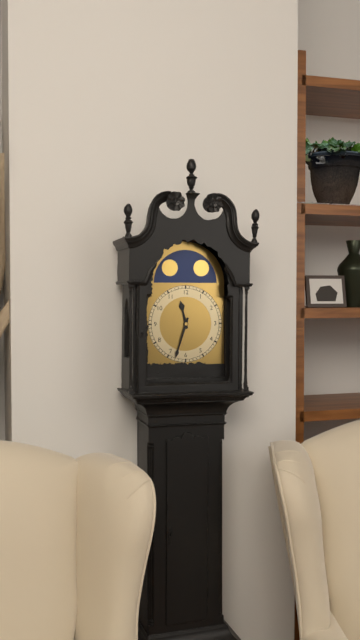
11:33
